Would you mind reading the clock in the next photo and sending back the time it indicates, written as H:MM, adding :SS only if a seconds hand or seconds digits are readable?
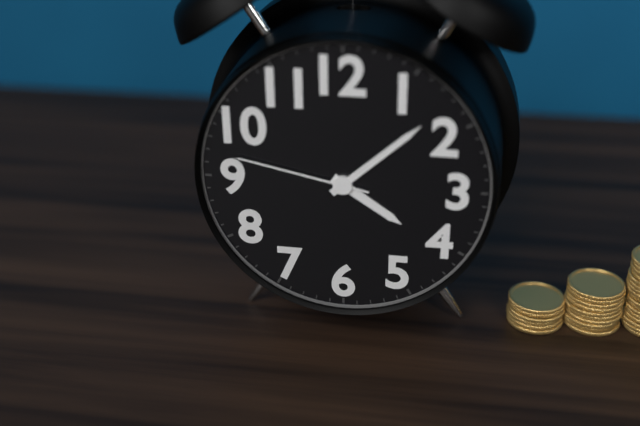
4:08:47
